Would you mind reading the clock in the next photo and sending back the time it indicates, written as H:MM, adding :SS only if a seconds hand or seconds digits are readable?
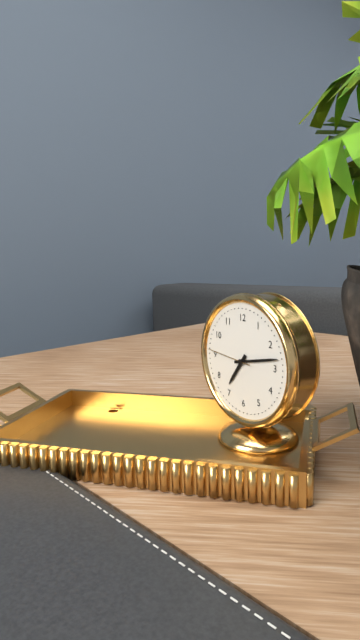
7:13
